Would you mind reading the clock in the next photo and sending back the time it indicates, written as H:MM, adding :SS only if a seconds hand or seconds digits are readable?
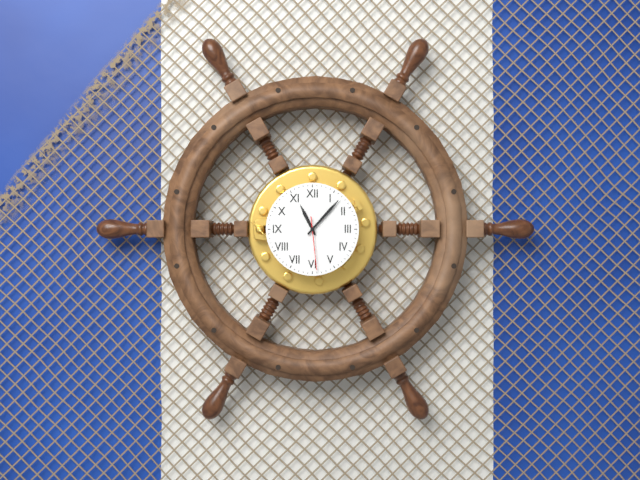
11:07:29
